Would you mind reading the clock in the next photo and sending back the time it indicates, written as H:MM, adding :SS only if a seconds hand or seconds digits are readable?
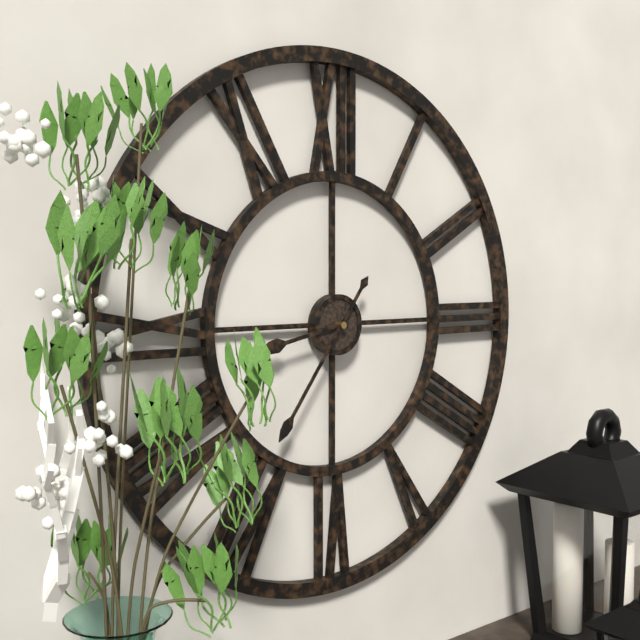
8:36
